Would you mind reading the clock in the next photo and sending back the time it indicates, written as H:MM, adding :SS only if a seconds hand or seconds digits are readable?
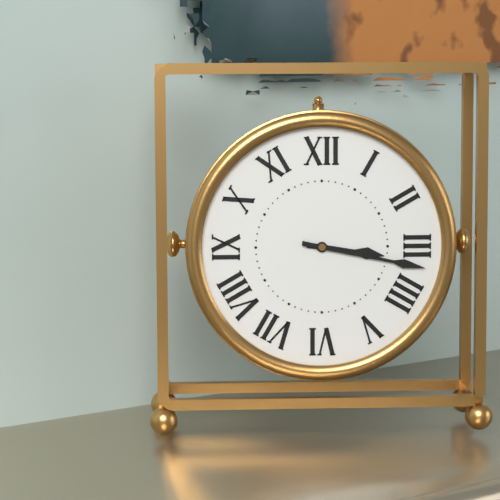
3:17
